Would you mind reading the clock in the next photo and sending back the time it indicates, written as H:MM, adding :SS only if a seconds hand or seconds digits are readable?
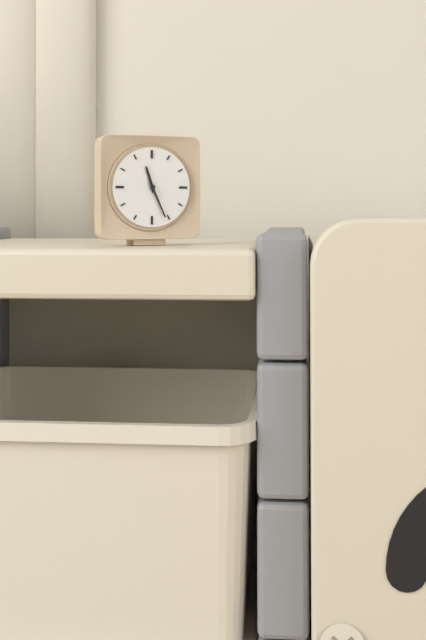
11:26
